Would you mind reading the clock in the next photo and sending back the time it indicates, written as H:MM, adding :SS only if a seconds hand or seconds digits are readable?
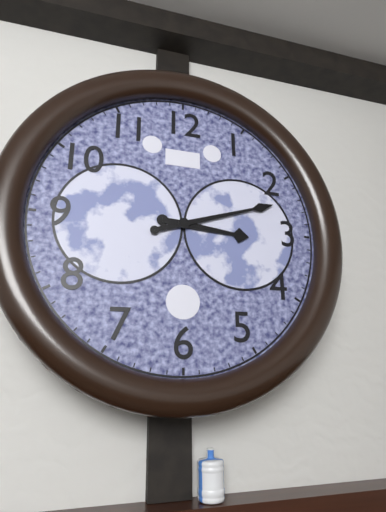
3:12
